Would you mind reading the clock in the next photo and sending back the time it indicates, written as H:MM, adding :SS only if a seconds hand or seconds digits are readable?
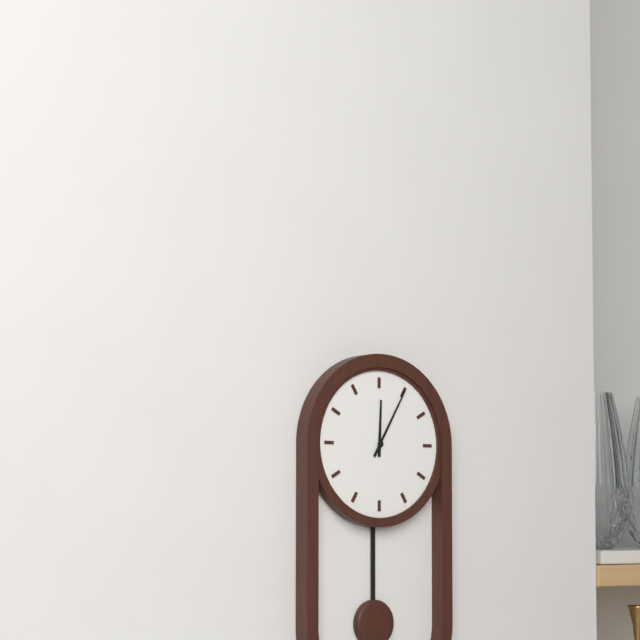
12:05
